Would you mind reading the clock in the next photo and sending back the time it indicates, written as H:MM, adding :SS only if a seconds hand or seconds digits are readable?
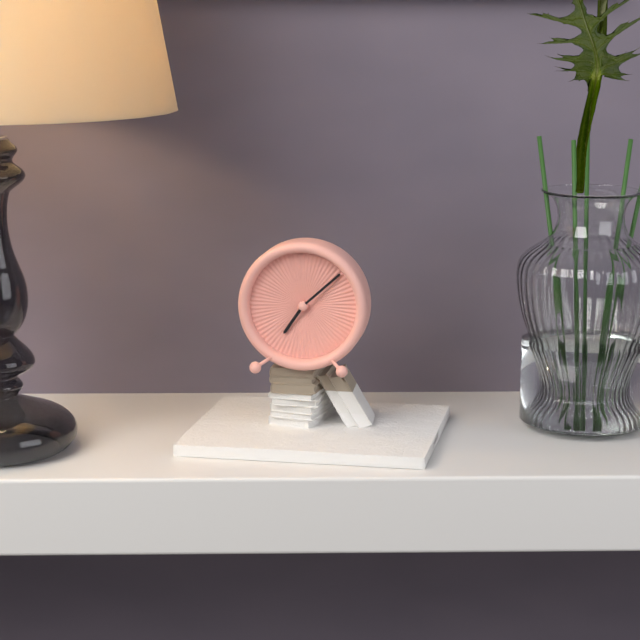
7:08
